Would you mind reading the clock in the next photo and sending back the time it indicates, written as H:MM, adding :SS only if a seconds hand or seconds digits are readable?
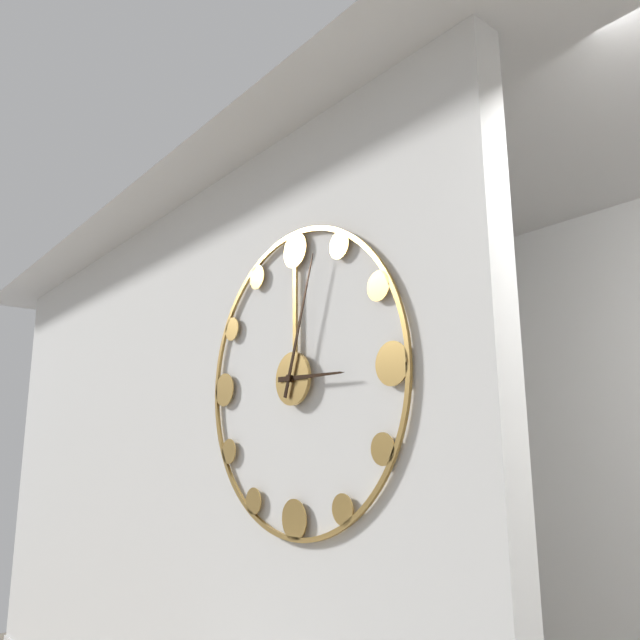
3:03
